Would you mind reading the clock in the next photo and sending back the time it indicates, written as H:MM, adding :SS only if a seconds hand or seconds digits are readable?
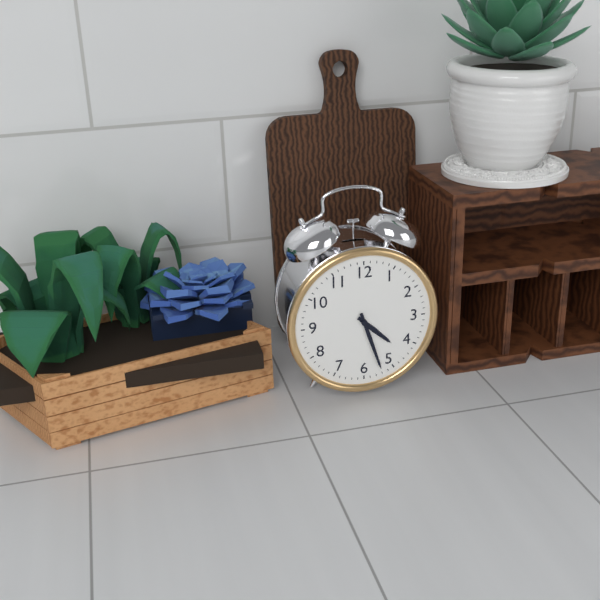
4:27
